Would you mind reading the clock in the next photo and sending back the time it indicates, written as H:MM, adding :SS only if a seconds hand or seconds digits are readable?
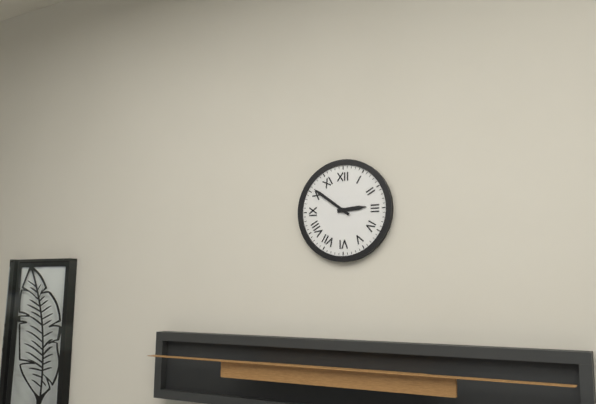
2:51
